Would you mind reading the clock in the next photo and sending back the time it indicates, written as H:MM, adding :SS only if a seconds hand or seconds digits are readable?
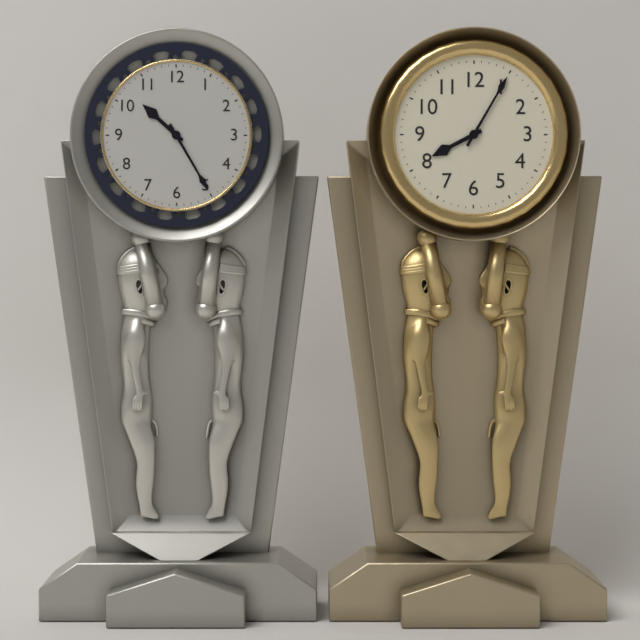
8:05
